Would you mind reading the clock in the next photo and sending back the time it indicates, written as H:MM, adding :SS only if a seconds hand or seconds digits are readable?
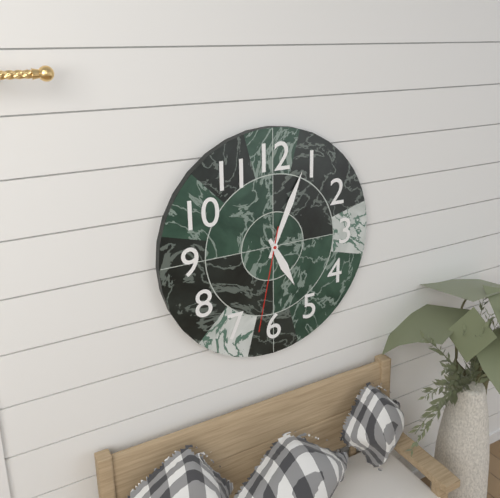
5:04:32
